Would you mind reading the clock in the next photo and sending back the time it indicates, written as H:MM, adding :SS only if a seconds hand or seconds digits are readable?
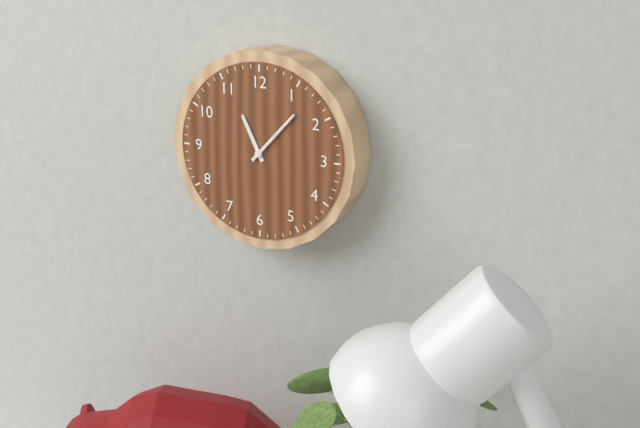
11:07
